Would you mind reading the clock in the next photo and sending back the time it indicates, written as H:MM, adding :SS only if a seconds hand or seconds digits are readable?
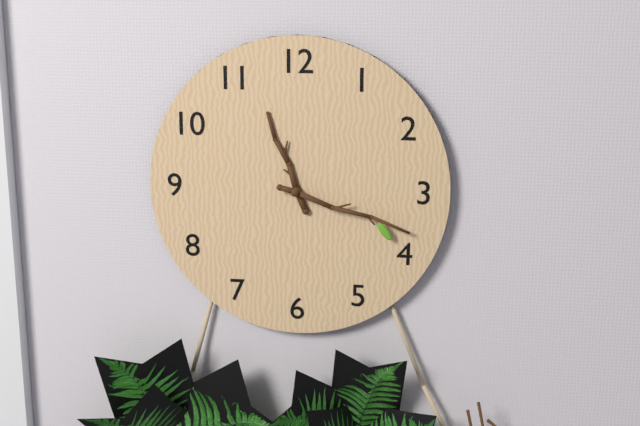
11:18
